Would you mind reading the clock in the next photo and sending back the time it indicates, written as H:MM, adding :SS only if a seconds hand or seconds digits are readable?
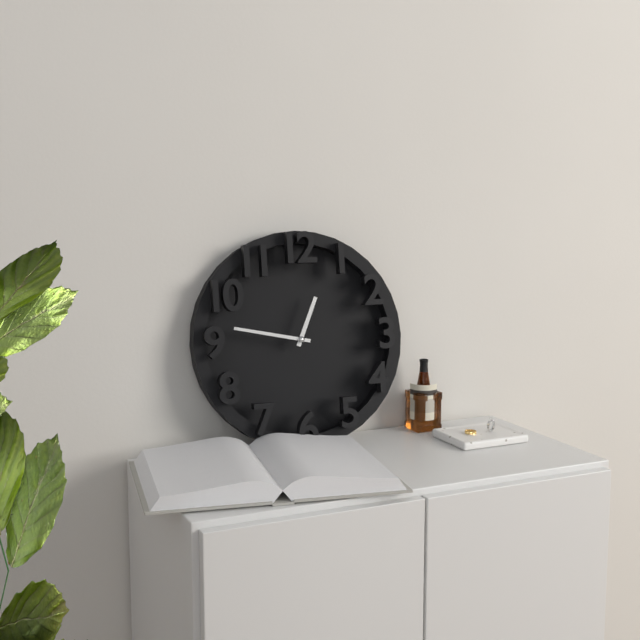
12:47
